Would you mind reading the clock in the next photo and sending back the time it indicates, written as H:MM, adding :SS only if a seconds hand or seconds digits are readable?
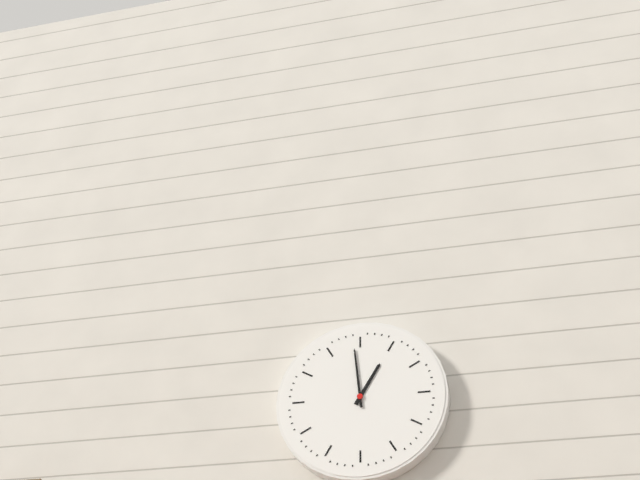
12:59
